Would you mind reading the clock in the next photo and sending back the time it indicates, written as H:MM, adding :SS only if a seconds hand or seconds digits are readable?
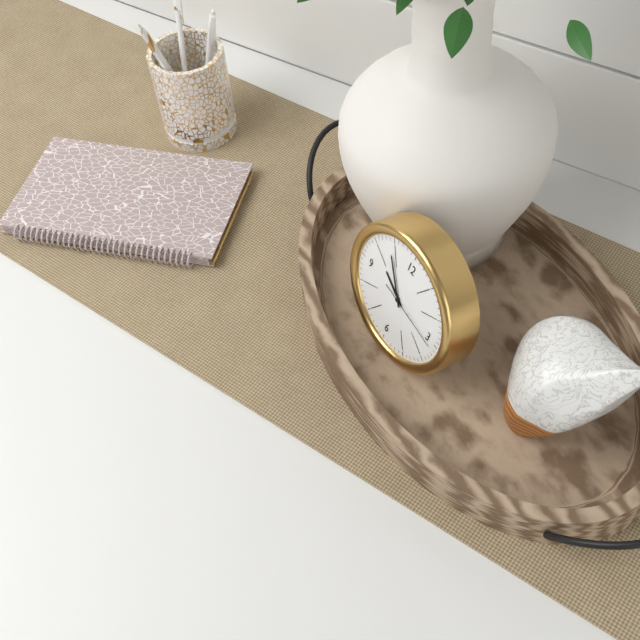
9:54:16
